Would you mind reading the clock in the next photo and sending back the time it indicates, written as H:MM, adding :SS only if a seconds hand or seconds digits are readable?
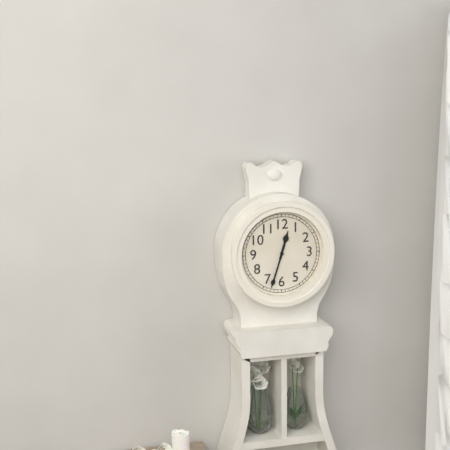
12:33
